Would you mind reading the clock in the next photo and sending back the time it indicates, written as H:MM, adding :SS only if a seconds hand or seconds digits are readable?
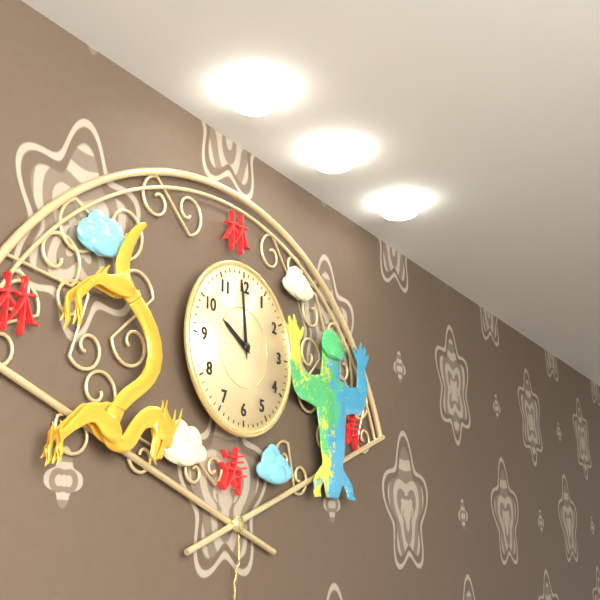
9:59
